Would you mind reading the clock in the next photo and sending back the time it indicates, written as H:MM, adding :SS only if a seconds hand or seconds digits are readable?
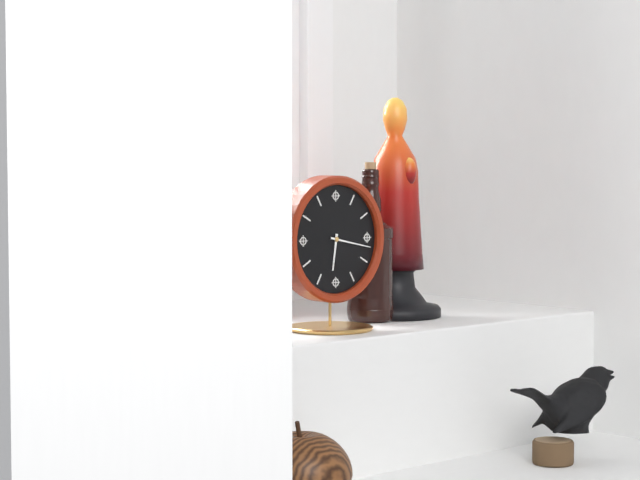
6:17
